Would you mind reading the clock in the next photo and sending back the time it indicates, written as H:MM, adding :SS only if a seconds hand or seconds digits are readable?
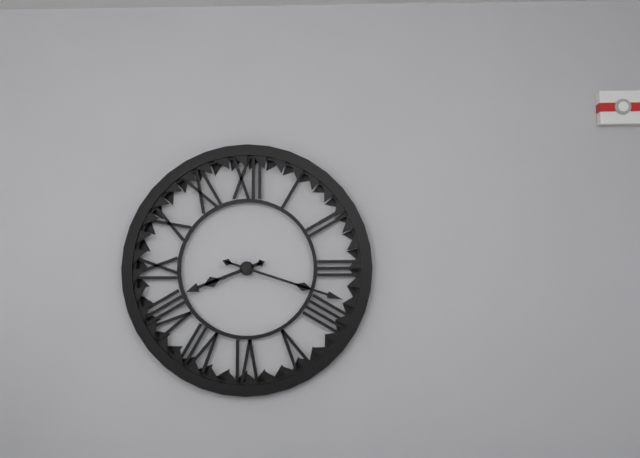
8:18
